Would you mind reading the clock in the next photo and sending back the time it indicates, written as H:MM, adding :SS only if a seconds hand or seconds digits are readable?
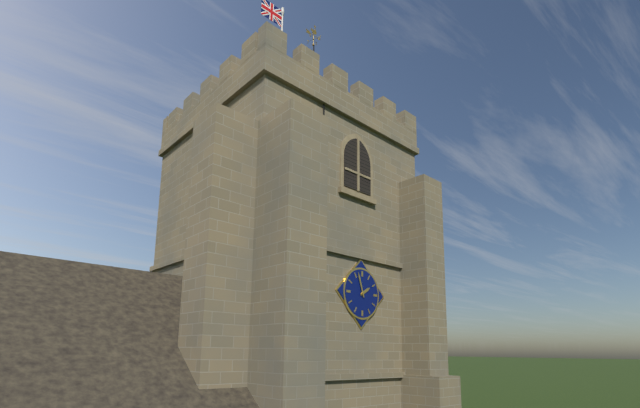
1:57
